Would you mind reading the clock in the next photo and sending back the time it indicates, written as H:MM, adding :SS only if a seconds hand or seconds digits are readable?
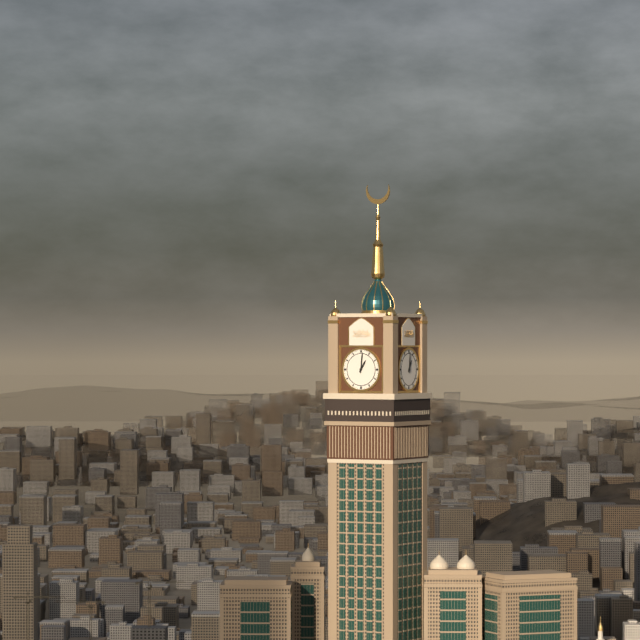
1:01
